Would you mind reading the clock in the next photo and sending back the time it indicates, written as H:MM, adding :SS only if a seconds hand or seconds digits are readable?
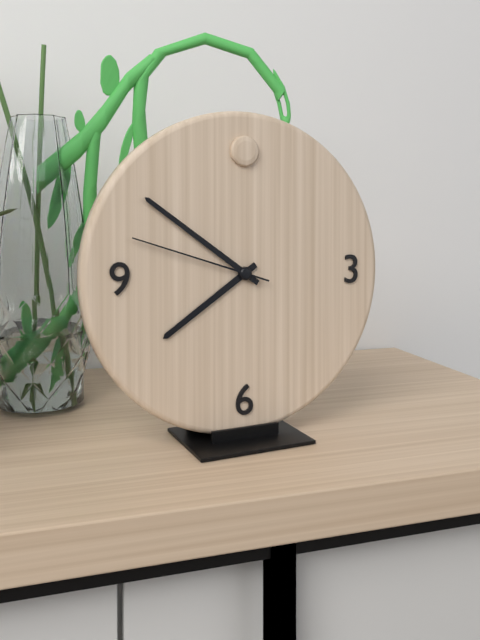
7:51:48
